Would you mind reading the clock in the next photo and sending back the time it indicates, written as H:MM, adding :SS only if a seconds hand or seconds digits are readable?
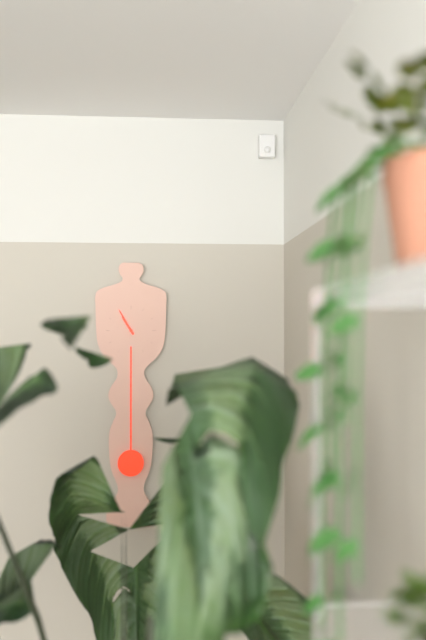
10:55
